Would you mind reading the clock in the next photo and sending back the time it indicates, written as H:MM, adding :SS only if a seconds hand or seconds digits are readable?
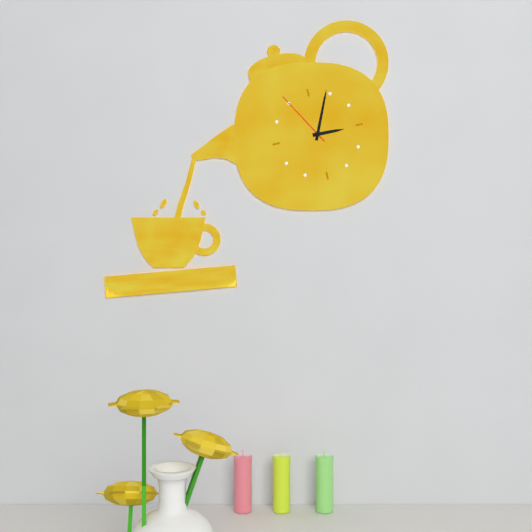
3:04:55
